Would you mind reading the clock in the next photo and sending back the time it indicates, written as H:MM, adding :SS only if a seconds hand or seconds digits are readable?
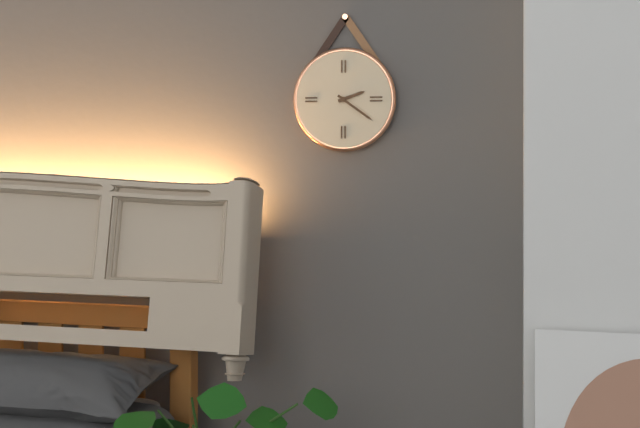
2:21
